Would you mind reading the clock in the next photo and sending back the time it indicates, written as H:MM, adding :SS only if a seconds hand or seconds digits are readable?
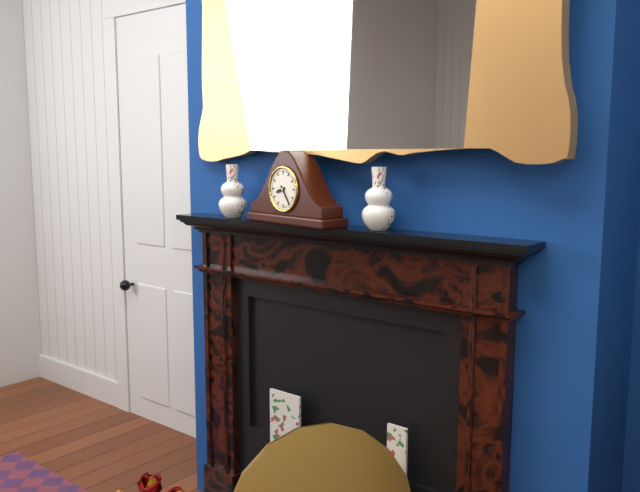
8:24
